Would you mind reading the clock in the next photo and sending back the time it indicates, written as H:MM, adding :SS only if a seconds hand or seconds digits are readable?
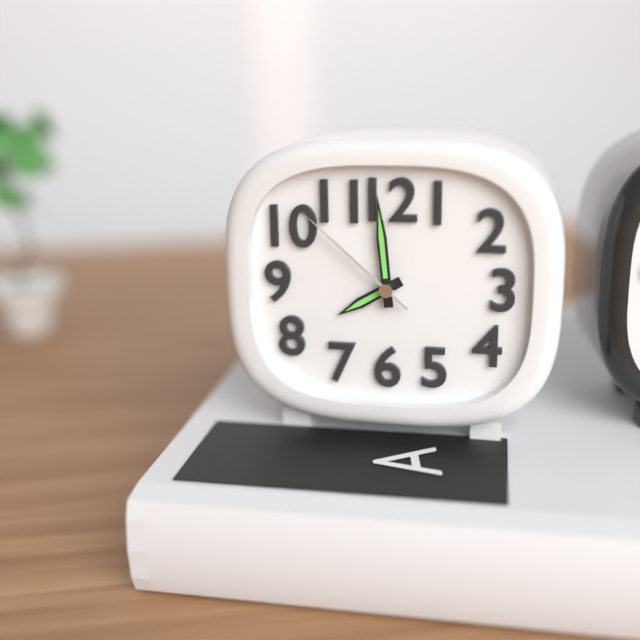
7:59:52
